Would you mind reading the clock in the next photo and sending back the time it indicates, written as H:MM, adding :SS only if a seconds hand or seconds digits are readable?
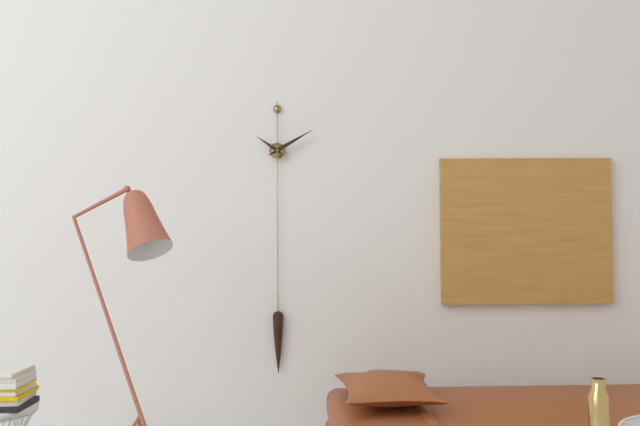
10:10
